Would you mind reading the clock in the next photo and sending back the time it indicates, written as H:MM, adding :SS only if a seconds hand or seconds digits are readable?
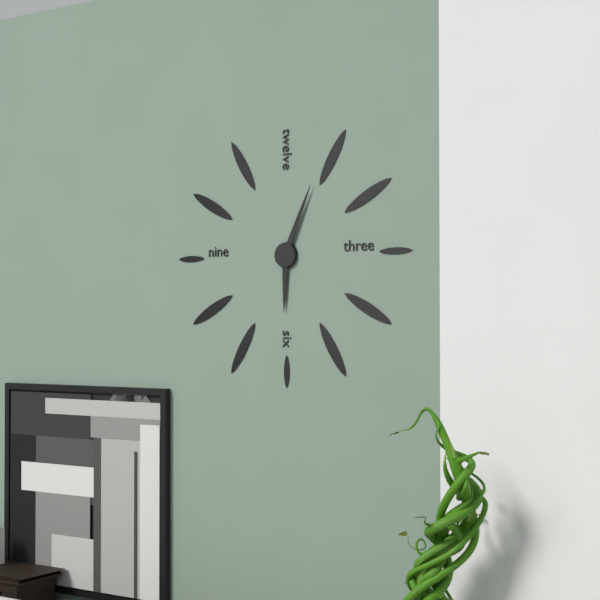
6:04
